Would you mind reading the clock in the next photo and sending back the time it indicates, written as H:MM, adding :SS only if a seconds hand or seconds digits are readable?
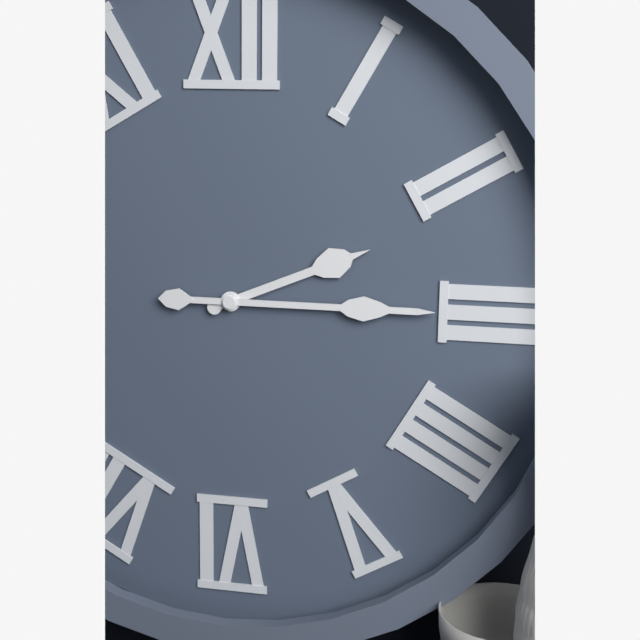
2:15
